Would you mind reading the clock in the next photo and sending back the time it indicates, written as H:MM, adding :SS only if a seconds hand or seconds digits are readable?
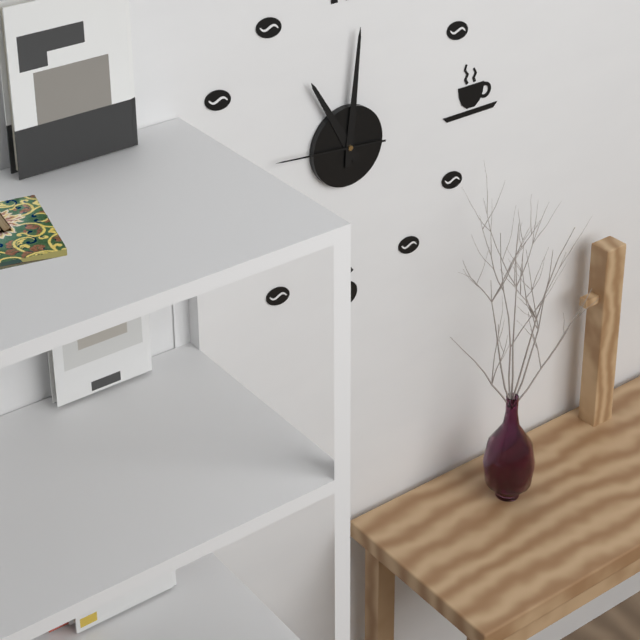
11:01:46
